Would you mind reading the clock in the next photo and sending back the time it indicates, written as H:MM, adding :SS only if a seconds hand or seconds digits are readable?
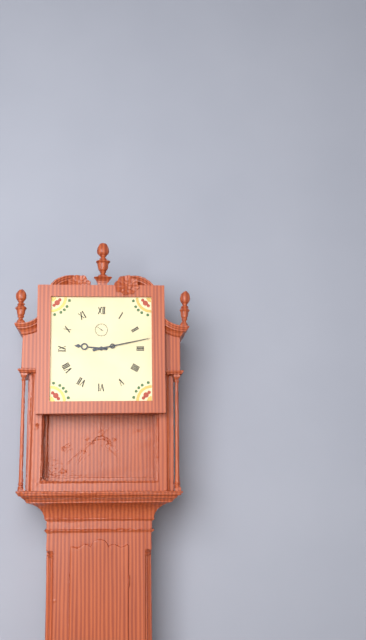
9:13
